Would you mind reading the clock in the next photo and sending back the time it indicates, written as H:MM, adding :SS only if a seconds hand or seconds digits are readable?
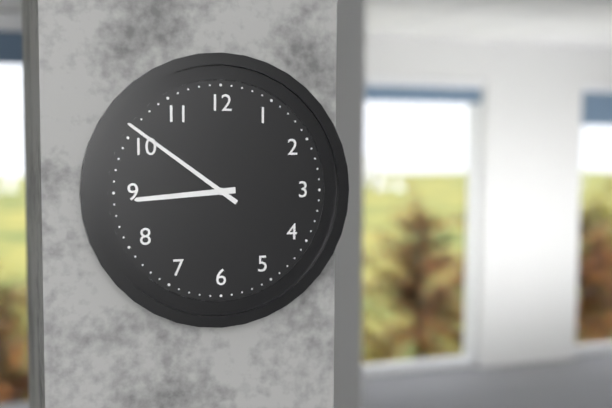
8:51
